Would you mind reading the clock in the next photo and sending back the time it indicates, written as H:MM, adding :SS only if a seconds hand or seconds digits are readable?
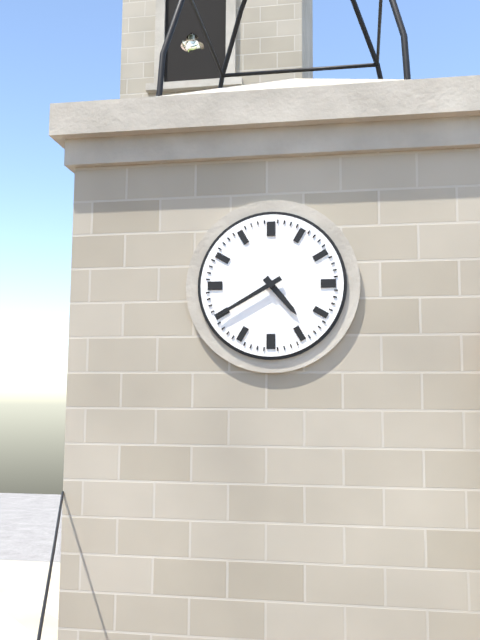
4:40
